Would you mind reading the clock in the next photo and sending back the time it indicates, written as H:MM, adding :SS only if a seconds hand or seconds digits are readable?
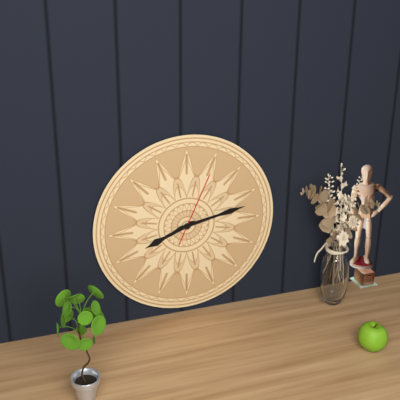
8:13:04
